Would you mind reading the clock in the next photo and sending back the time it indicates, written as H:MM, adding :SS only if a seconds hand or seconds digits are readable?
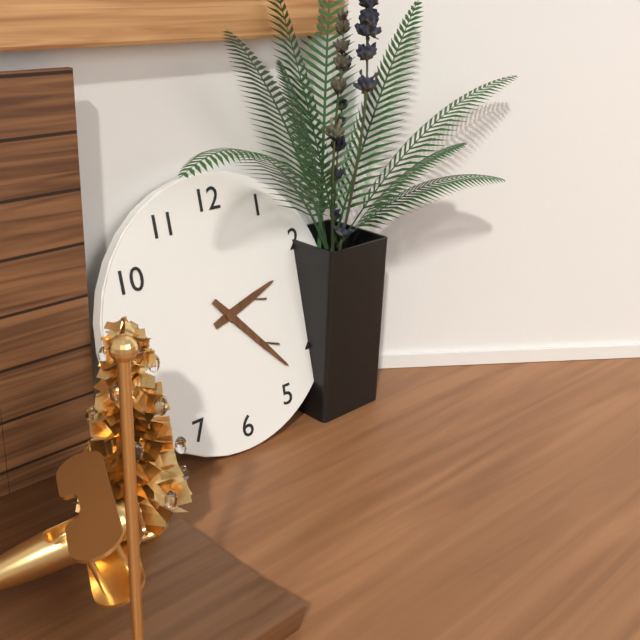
2:23
